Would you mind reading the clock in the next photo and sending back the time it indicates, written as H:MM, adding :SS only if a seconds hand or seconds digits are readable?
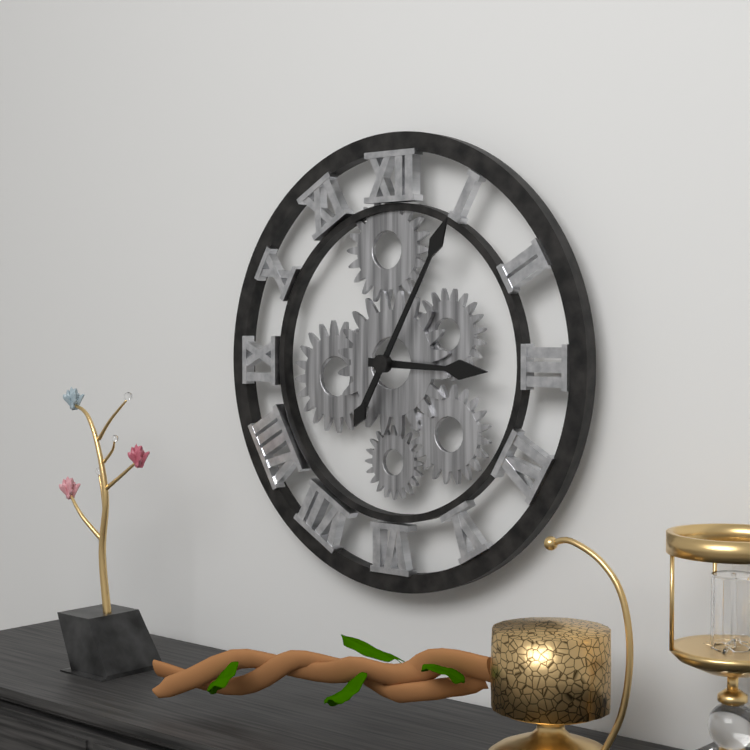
3:05
